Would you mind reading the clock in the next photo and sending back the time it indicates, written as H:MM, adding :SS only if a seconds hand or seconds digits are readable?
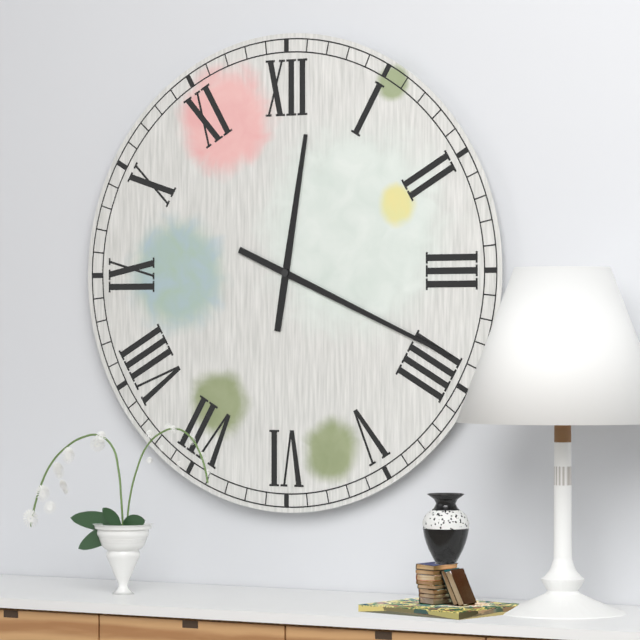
12:19
